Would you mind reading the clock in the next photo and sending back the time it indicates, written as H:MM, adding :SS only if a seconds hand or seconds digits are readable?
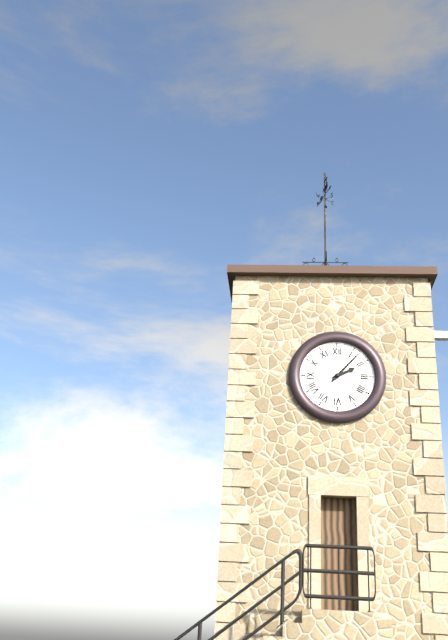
2:07
